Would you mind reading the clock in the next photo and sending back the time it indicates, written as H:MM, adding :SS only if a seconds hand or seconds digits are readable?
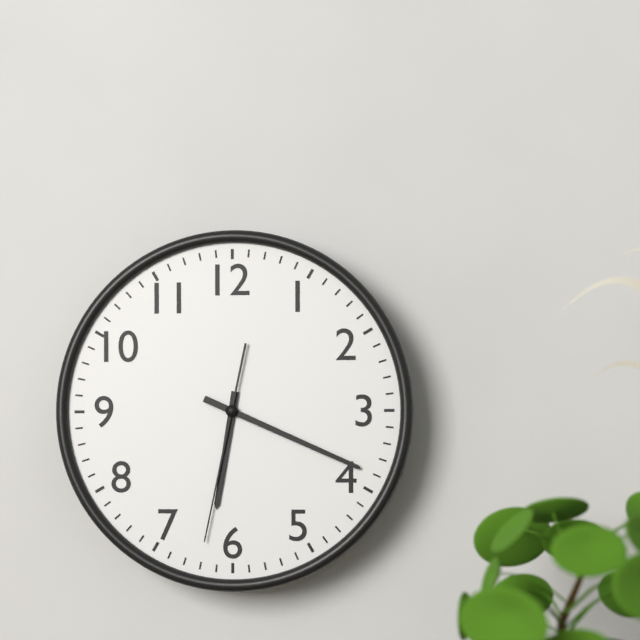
6:19:32
